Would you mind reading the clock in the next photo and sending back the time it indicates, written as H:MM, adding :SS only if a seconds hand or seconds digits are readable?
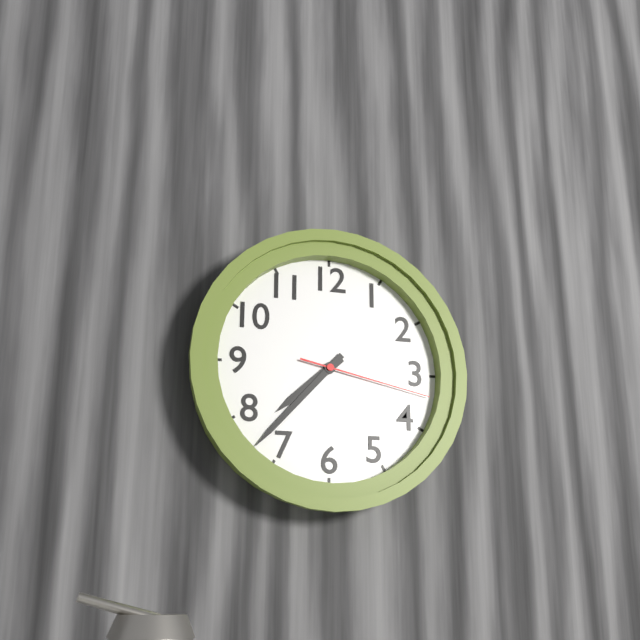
7:37:17
